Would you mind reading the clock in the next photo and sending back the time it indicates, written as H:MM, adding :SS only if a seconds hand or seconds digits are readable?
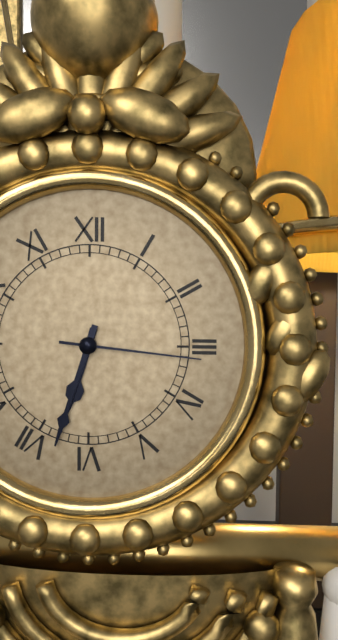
6:33:16
